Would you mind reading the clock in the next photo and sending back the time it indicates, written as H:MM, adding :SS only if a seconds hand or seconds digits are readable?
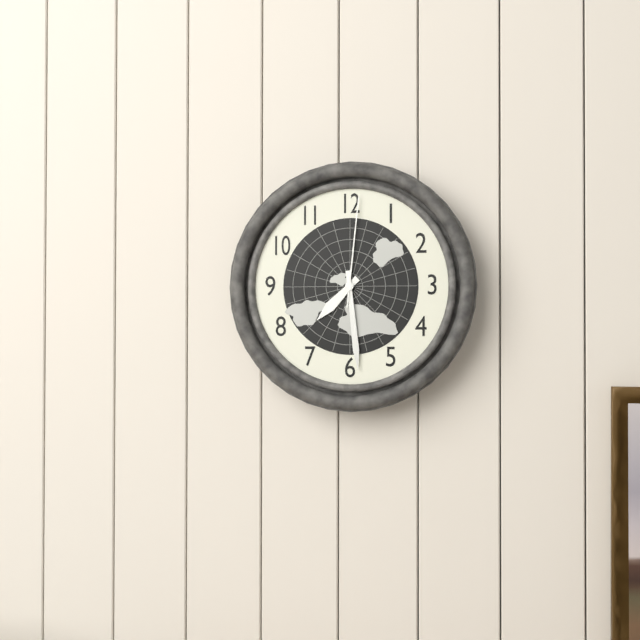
7:29:01
